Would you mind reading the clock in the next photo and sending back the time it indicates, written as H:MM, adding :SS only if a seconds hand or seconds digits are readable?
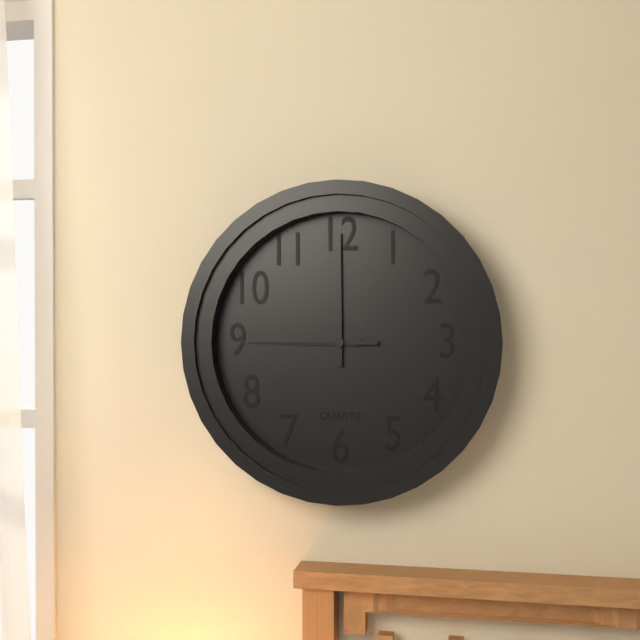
9:00:45
